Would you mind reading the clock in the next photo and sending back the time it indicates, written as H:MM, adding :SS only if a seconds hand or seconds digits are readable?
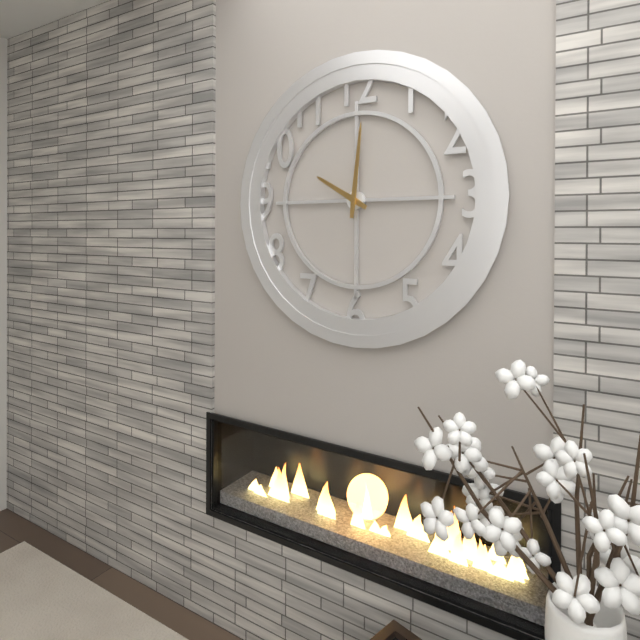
10:01
